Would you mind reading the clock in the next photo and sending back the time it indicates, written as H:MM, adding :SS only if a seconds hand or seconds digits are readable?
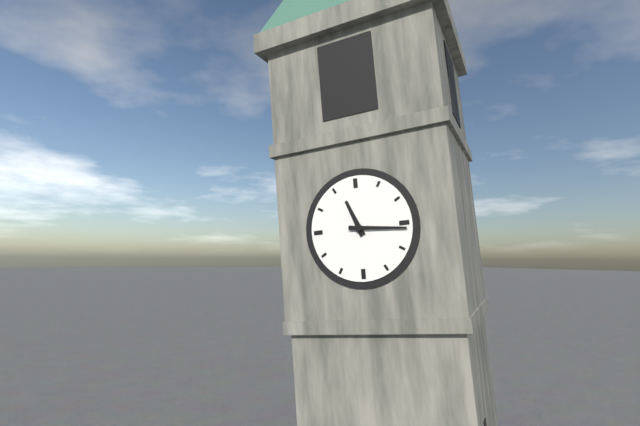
11:16
